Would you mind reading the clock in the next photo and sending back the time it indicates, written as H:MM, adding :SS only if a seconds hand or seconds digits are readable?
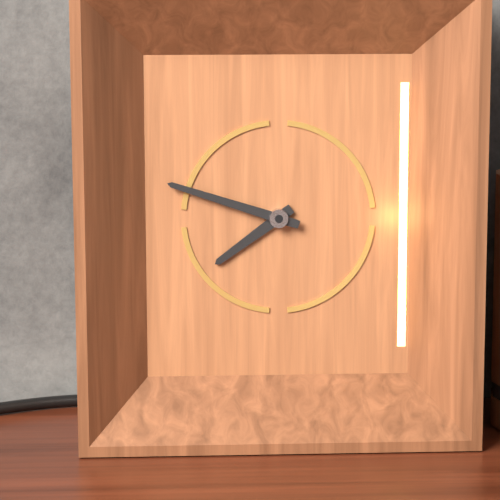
7:48
